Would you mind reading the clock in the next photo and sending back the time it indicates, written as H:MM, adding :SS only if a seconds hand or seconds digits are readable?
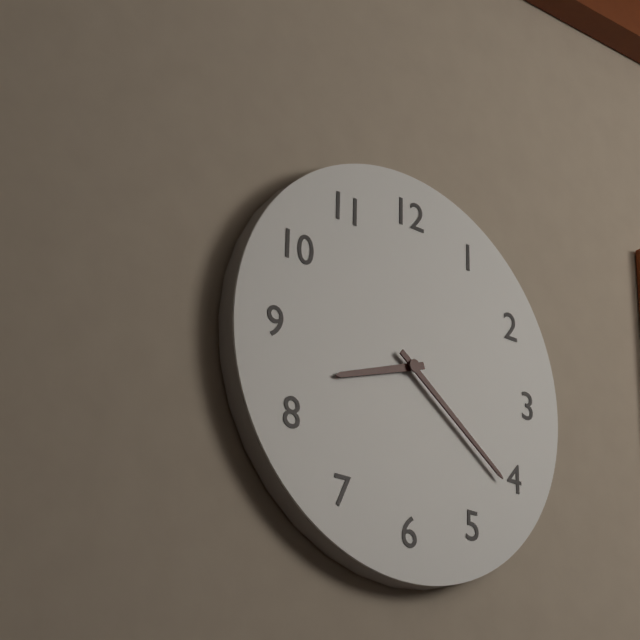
8:21
